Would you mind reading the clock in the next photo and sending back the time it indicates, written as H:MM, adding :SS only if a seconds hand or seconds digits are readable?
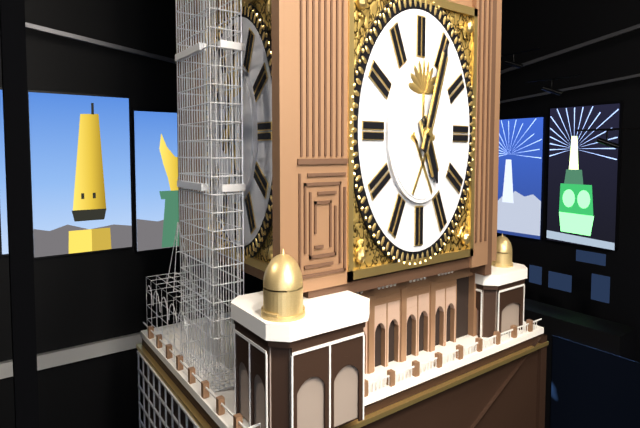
5:04
